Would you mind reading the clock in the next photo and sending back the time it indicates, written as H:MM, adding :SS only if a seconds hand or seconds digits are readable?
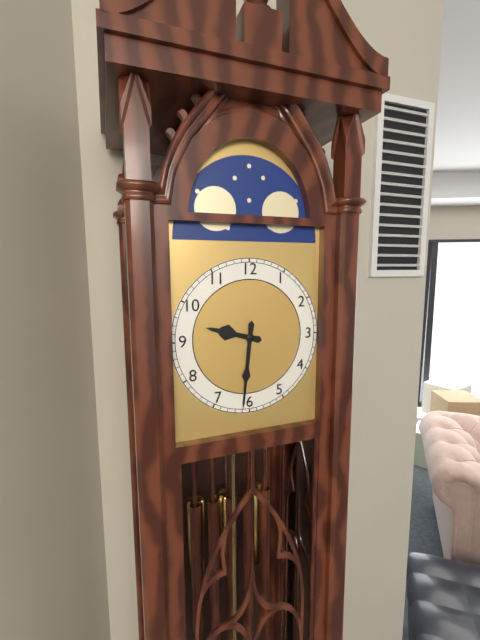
9:31
